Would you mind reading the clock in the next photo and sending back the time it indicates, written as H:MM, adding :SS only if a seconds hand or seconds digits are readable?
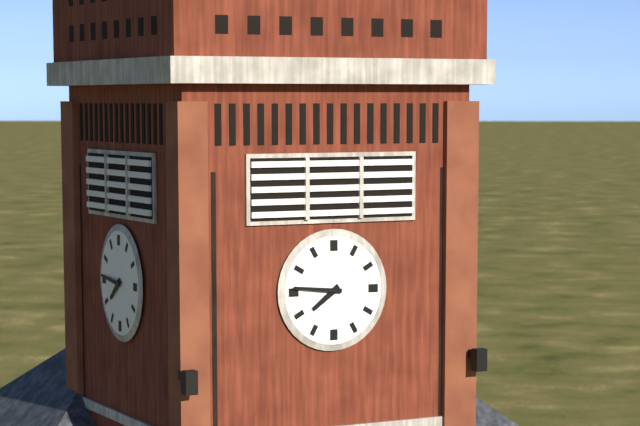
7:46
